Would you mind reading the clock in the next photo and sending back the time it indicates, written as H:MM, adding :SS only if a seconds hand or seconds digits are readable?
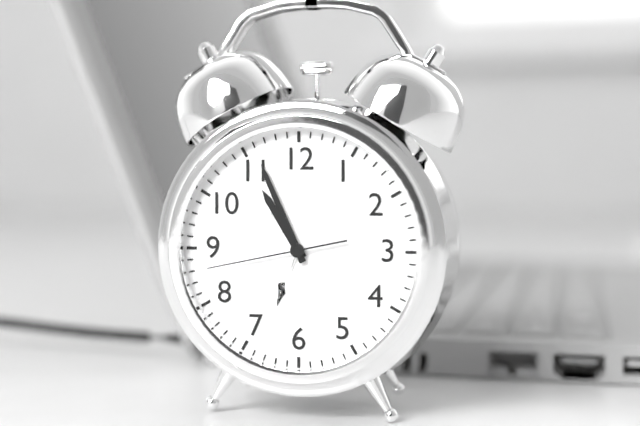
10:56:43
